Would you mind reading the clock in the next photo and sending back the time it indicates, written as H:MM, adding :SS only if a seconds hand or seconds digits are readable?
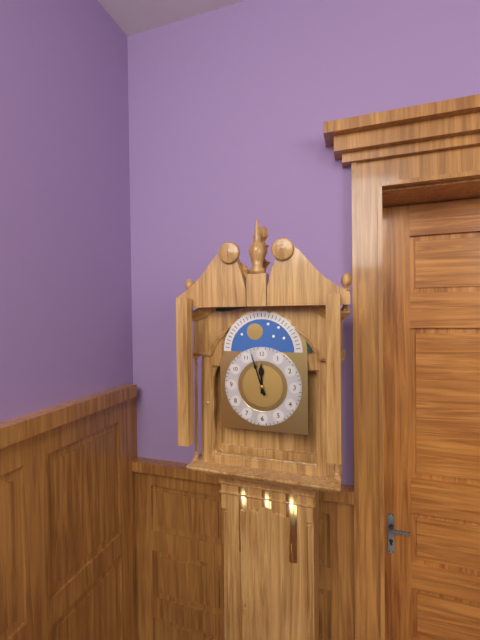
11:57
